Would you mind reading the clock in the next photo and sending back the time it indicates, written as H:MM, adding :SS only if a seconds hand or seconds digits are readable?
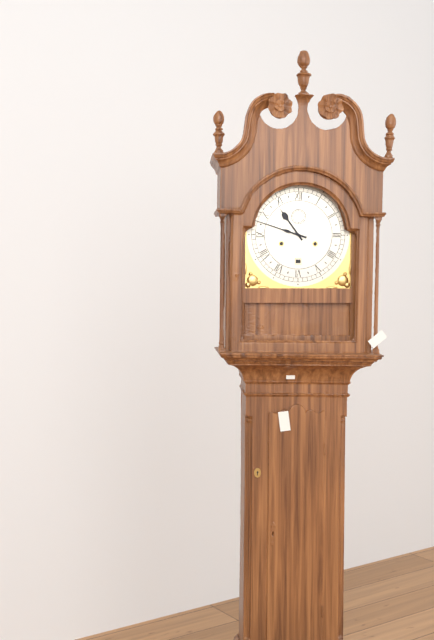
10:48
